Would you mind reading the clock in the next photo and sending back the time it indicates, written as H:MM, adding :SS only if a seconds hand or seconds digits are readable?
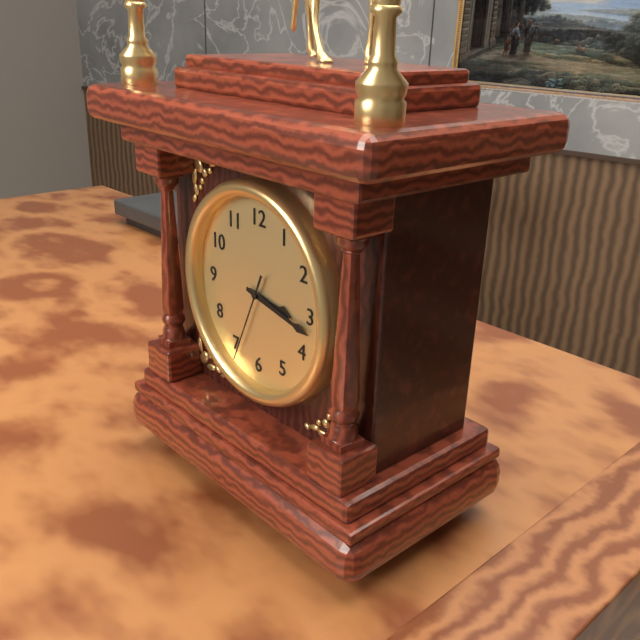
3:17:34
